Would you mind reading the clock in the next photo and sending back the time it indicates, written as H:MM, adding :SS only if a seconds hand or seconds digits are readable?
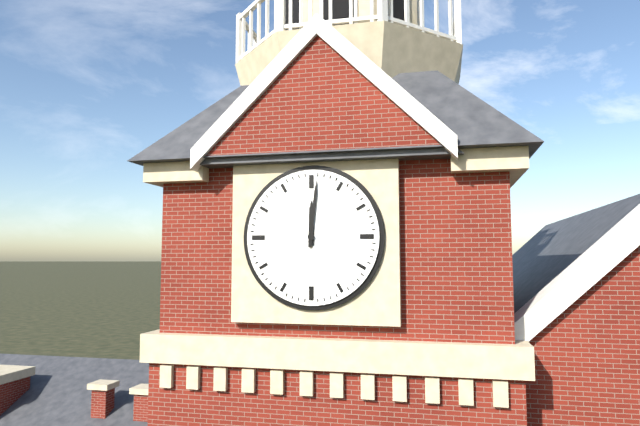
12:01
